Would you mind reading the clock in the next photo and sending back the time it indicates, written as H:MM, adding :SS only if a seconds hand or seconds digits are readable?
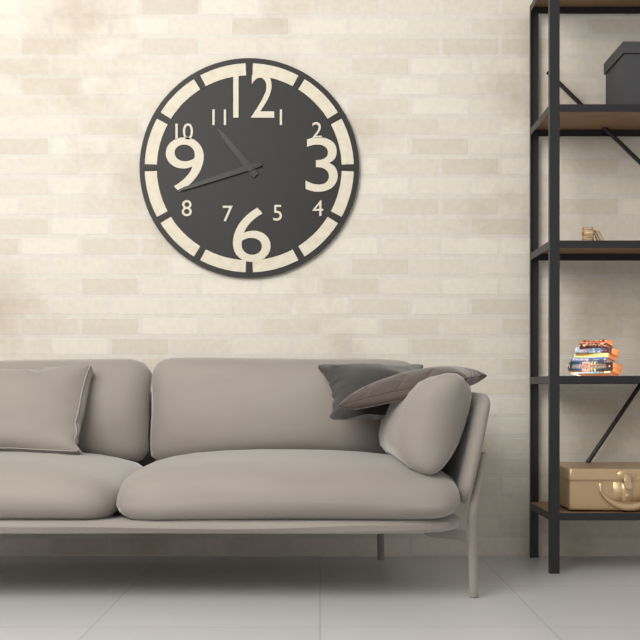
10:42
